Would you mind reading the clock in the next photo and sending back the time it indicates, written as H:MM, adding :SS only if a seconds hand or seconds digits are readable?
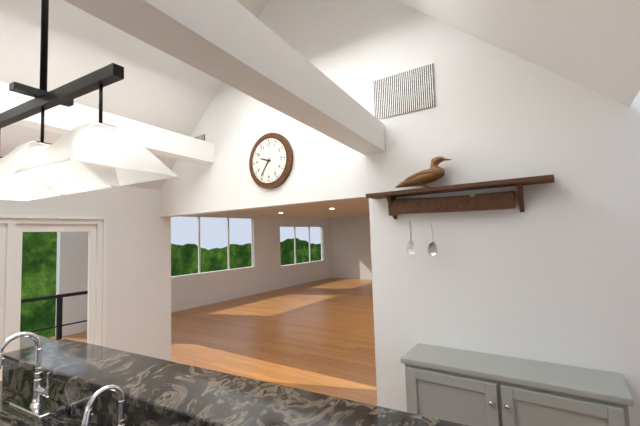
9:36
